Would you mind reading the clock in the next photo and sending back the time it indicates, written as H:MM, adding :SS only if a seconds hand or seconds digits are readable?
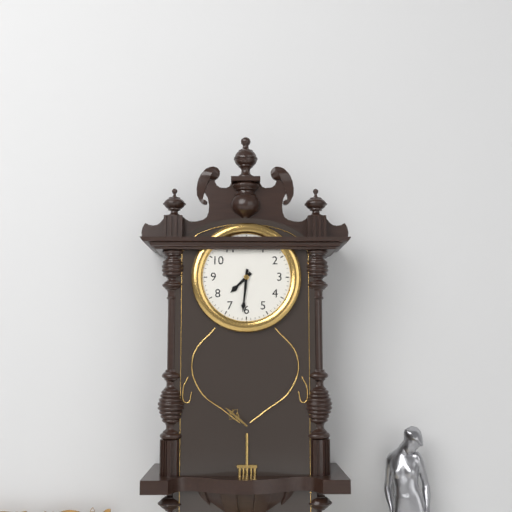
7:31
